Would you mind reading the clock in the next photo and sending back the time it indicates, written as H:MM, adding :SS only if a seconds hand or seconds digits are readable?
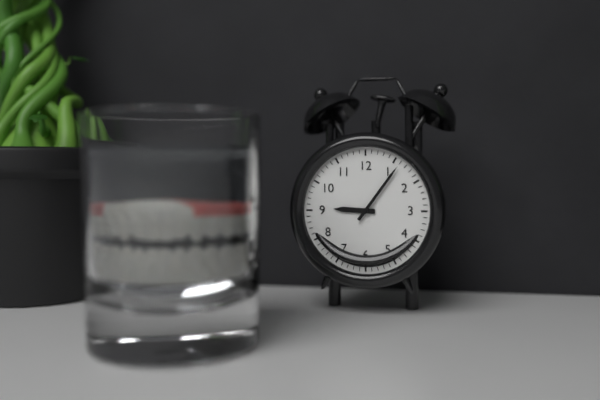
9:06
